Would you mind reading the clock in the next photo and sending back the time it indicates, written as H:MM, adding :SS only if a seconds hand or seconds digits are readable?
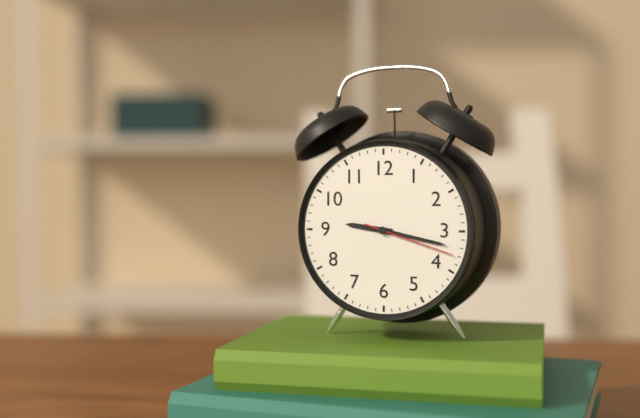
9:17:18
